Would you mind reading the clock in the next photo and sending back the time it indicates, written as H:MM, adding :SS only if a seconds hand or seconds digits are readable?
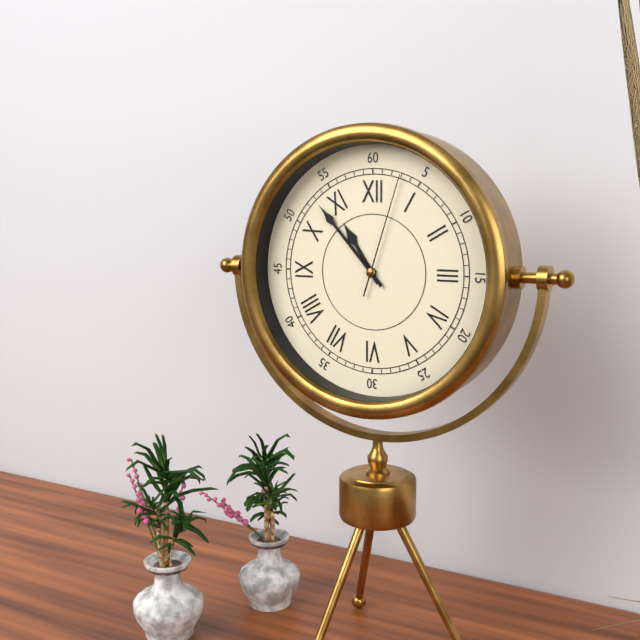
10:53:03
